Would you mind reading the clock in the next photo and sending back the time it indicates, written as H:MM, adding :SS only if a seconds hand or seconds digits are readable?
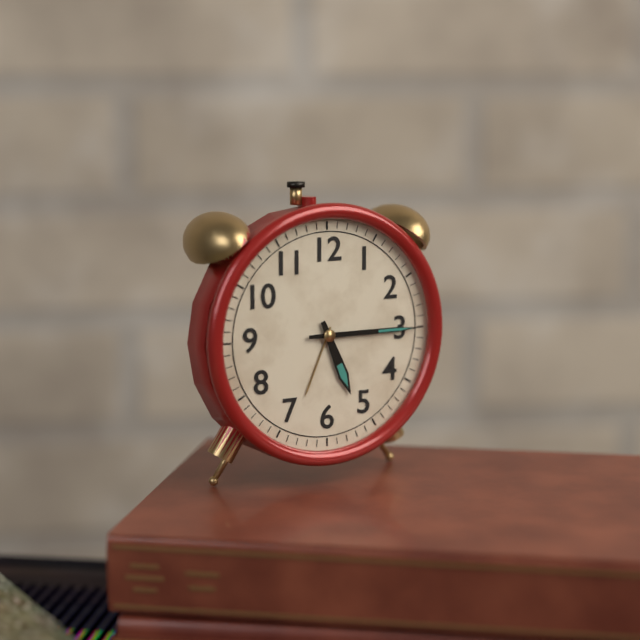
5:15
